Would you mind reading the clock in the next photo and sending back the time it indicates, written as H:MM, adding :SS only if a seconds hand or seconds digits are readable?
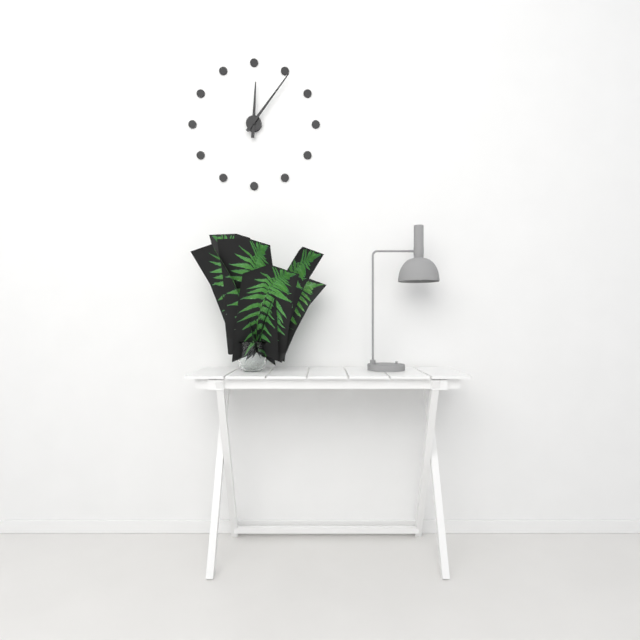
12:06
